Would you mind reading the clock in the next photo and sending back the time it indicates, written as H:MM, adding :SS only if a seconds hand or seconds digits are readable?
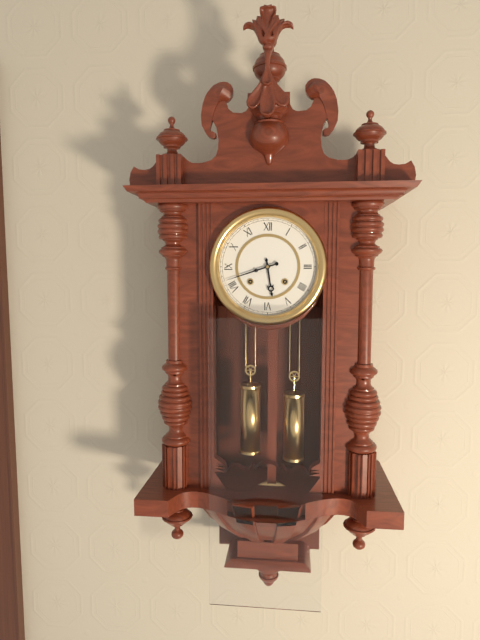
5:42
